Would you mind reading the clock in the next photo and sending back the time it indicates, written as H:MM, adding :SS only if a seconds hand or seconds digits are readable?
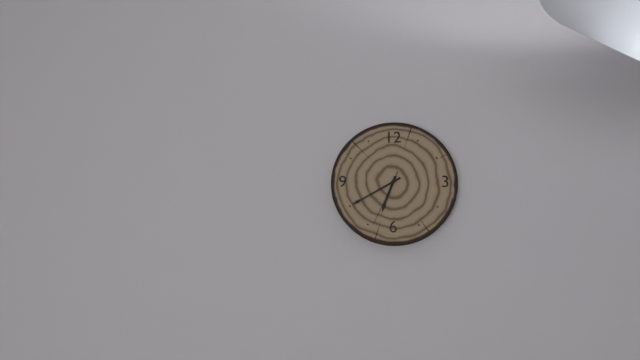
6:40:34
